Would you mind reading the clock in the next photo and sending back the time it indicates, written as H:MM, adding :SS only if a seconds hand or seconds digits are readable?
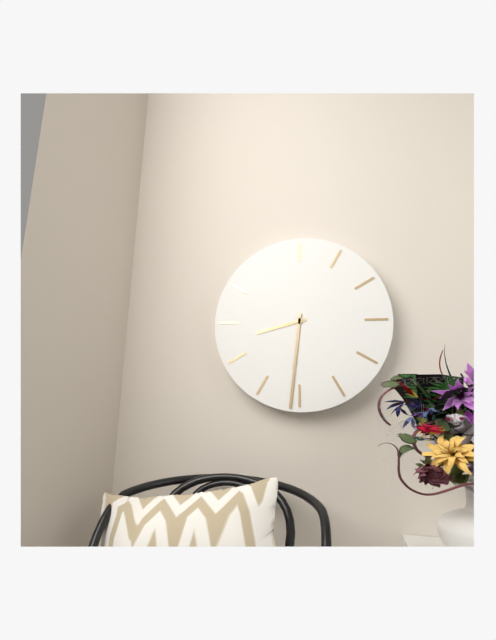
8:31
